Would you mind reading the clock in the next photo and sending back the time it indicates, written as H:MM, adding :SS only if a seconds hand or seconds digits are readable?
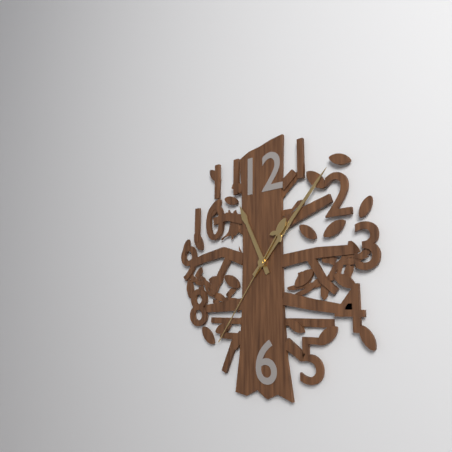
11:07:36
